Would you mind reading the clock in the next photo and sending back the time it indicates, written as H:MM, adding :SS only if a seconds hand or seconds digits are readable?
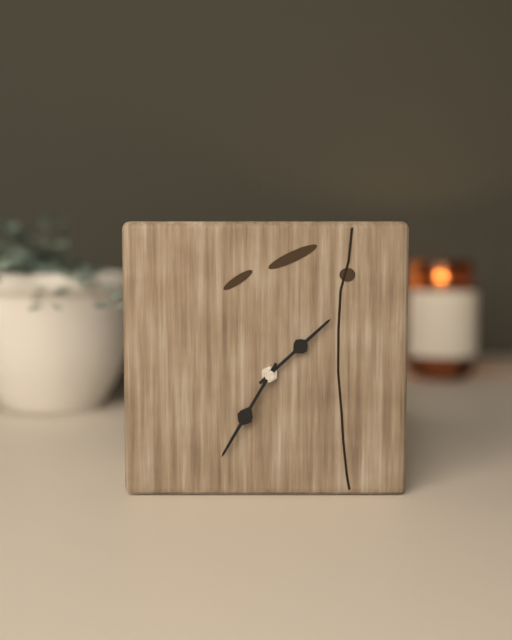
1:35
